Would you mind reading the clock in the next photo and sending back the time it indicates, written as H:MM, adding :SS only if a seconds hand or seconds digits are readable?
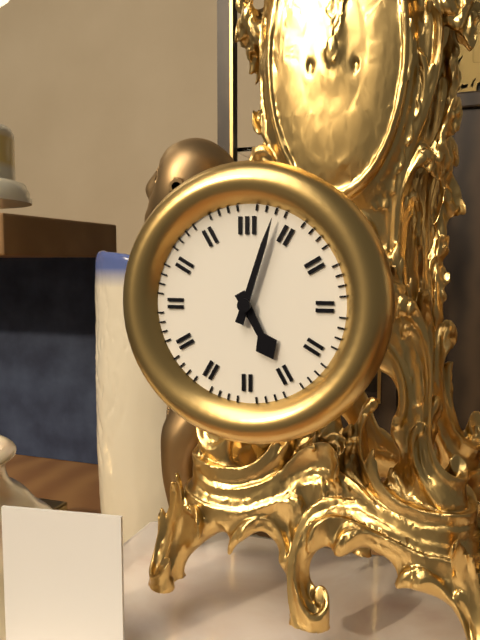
5:03
